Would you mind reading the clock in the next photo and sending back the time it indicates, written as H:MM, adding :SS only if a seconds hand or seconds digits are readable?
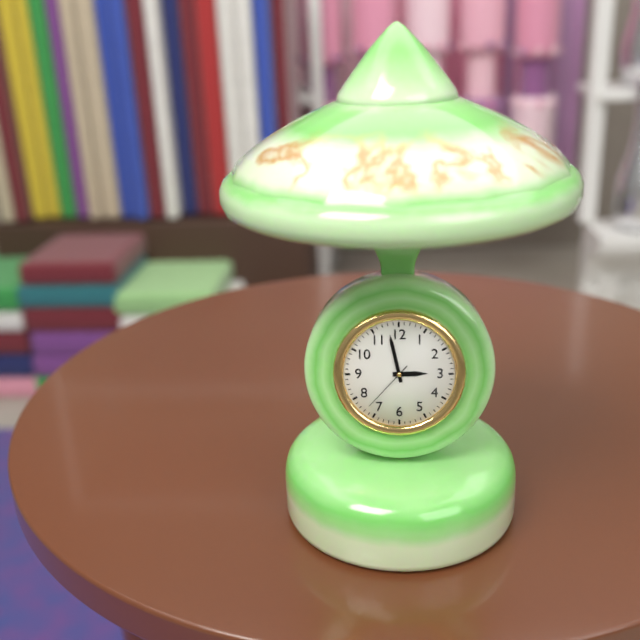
2:58:37
